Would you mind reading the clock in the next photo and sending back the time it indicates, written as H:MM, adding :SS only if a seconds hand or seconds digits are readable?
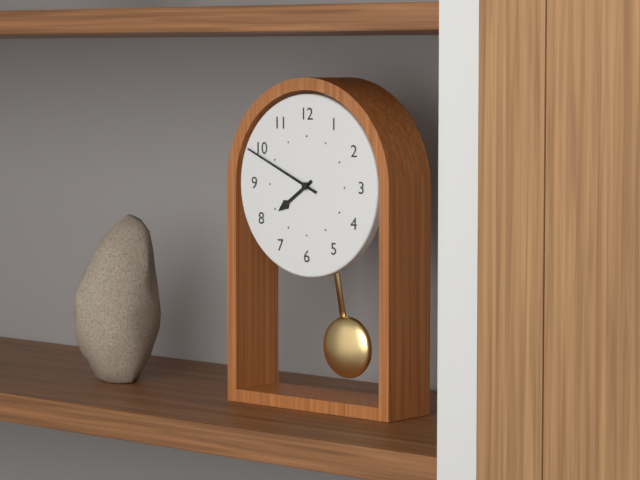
7:49
